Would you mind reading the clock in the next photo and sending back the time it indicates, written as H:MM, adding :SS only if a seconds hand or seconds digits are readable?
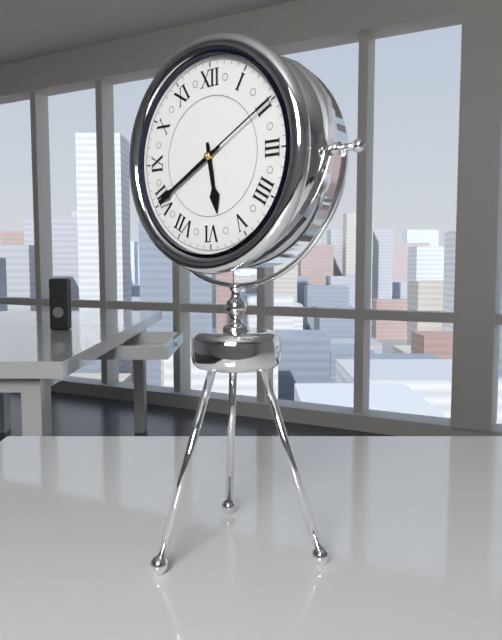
5:40:10
